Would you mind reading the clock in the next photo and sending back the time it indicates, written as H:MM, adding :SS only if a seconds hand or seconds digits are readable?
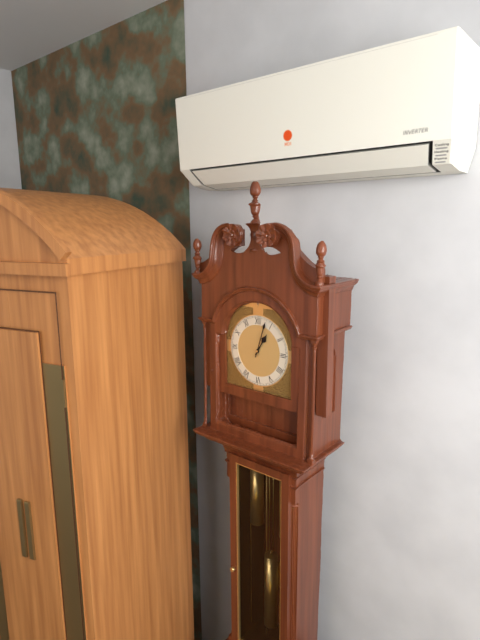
1:03
